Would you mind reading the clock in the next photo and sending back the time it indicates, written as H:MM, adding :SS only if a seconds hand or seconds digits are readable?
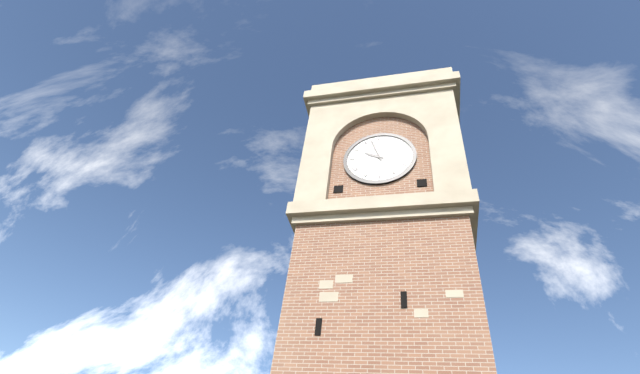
9:57
